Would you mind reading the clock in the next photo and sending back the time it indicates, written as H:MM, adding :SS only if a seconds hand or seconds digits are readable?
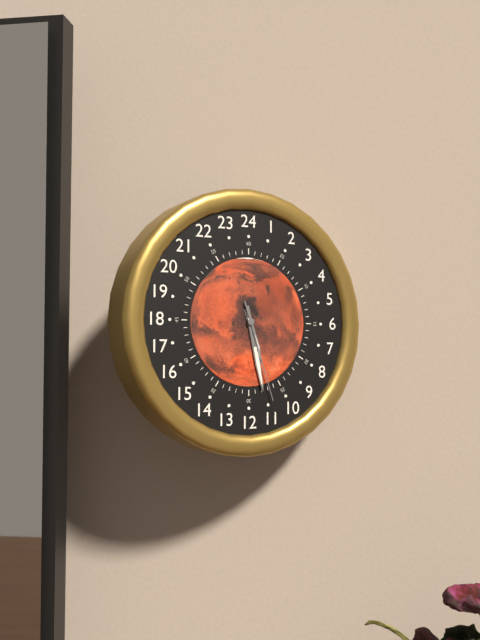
5:28:27
